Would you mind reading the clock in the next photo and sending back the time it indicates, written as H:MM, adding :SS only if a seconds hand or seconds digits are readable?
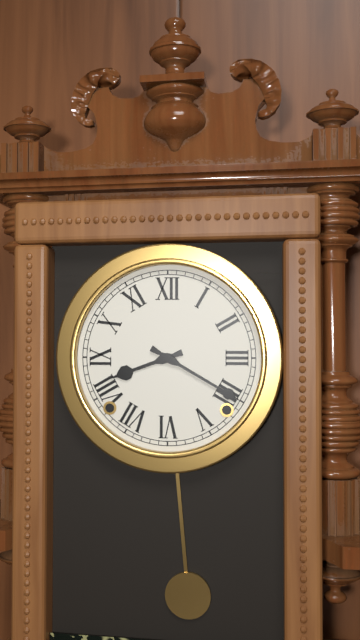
8:20
